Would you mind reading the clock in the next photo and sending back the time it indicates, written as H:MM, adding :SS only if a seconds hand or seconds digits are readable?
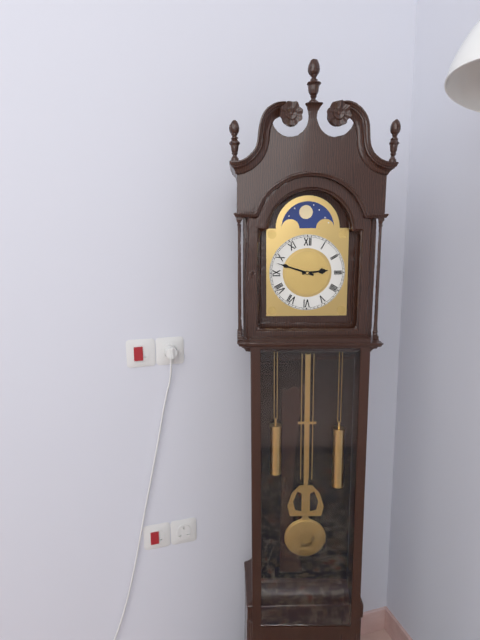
2:48
